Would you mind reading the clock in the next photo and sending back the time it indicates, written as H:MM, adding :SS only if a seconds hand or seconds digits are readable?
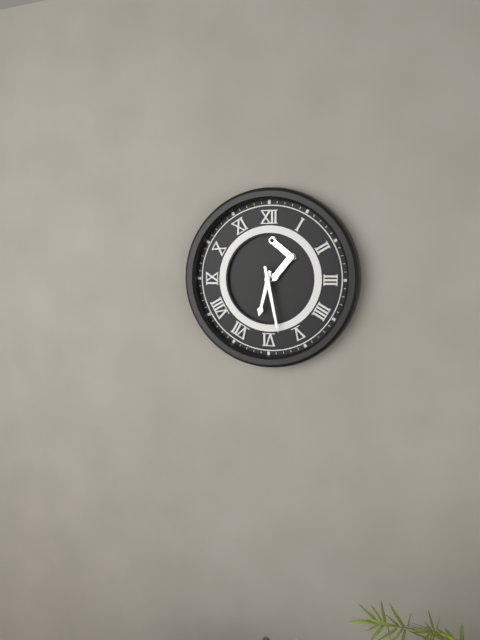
6:28
